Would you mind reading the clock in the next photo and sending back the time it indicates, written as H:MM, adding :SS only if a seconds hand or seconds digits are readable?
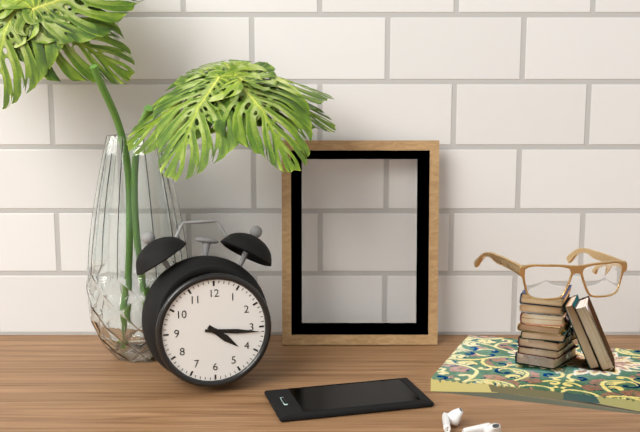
4:16
